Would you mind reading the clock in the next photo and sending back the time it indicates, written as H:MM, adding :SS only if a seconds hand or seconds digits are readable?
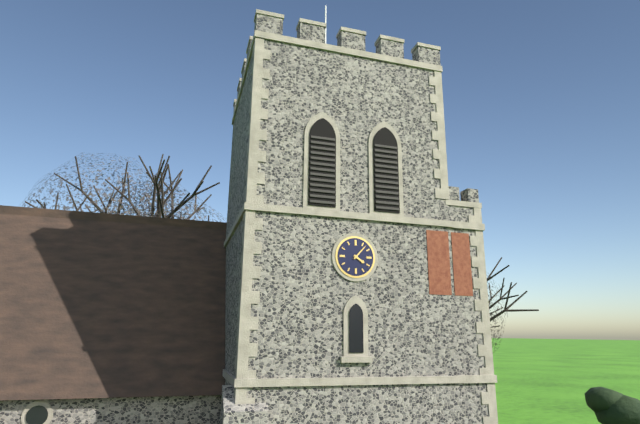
4:07
